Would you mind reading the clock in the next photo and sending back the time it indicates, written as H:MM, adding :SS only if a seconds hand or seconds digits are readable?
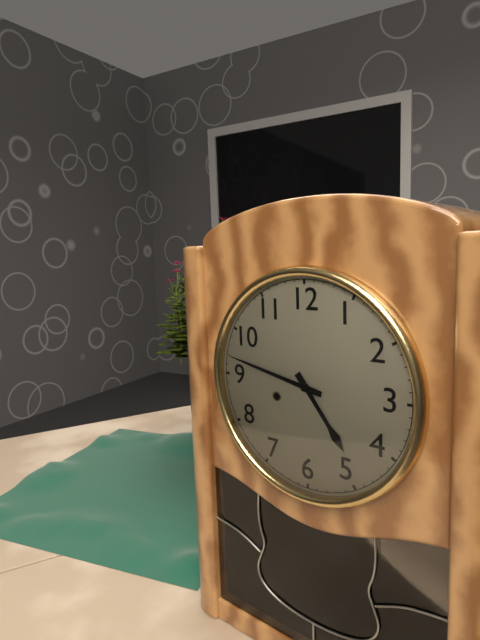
4:47
